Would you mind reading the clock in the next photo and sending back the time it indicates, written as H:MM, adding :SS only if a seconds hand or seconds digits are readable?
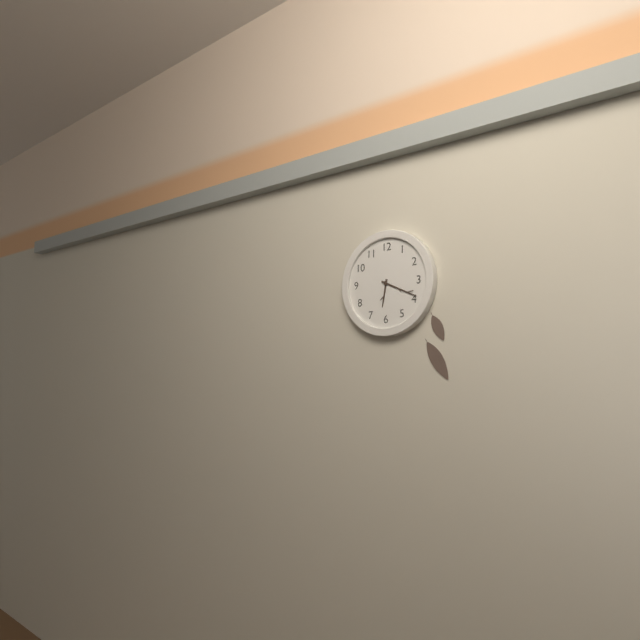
6:19
